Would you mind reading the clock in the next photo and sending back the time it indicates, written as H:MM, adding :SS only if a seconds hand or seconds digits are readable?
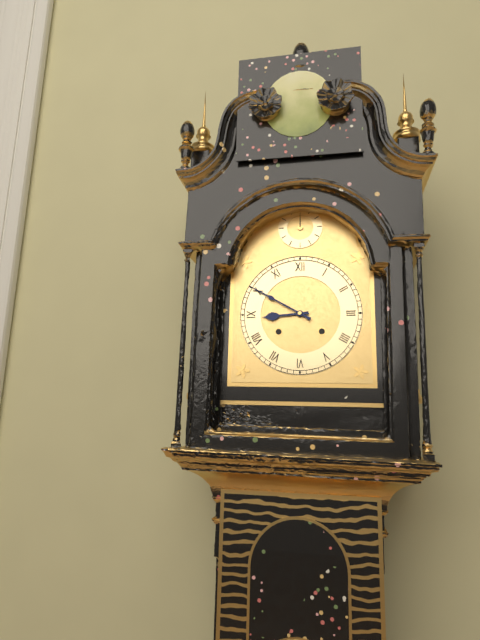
8:50
